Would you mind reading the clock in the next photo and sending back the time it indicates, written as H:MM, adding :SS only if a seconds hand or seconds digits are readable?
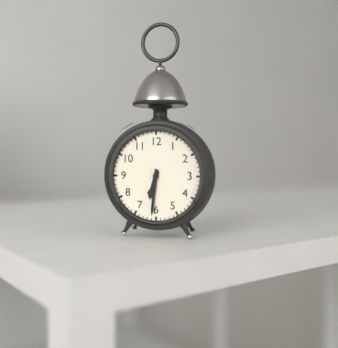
6:31
